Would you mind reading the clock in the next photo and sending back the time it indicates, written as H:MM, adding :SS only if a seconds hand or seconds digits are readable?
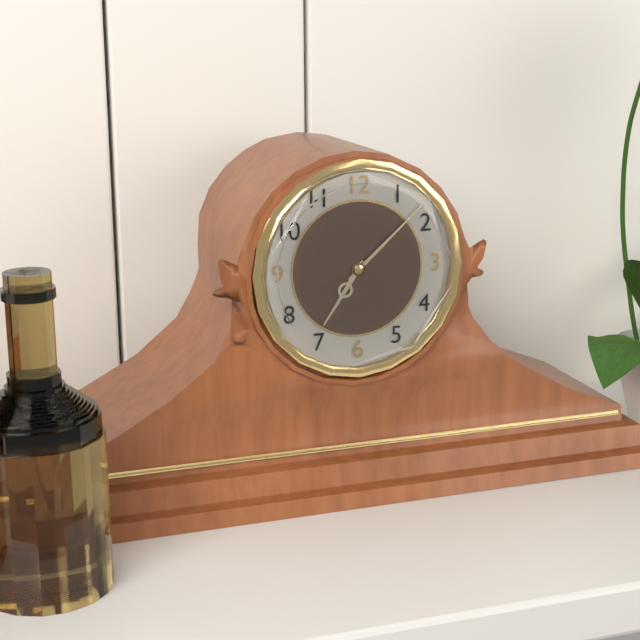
7:08
